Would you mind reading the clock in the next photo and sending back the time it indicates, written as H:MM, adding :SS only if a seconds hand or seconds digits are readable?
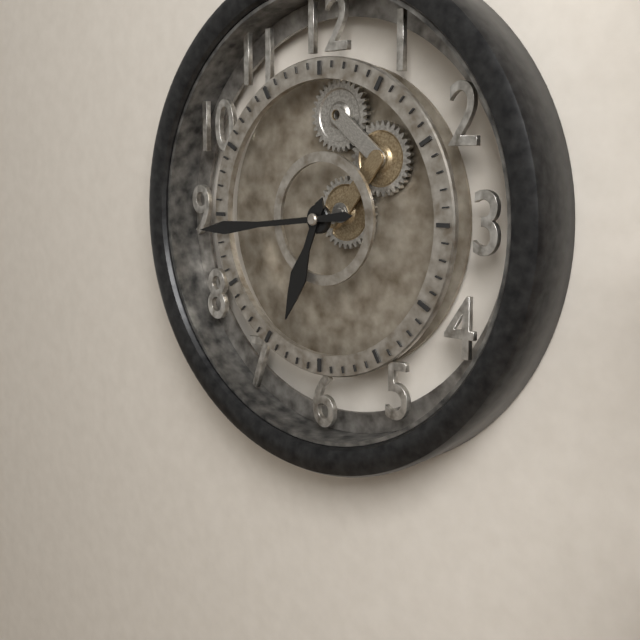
6:44
